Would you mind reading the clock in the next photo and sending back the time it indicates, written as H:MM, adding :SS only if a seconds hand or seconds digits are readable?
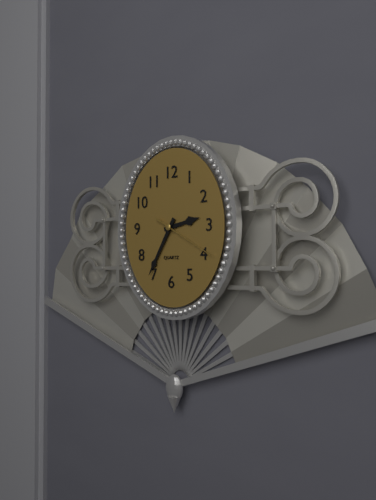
2:35:20
